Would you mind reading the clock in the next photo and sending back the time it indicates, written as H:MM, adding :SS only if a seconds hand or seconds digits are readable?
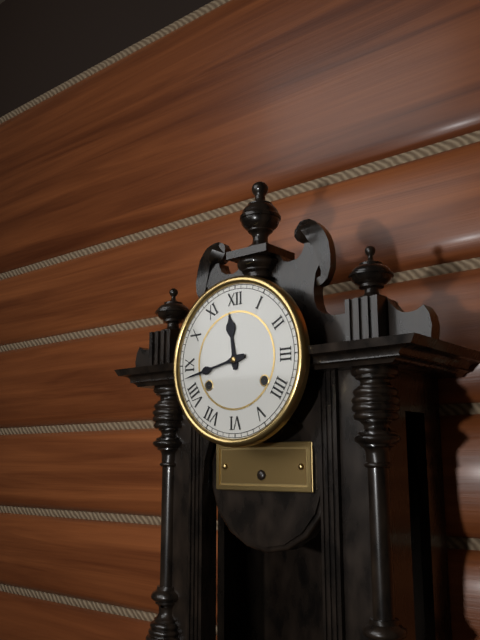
11:43
